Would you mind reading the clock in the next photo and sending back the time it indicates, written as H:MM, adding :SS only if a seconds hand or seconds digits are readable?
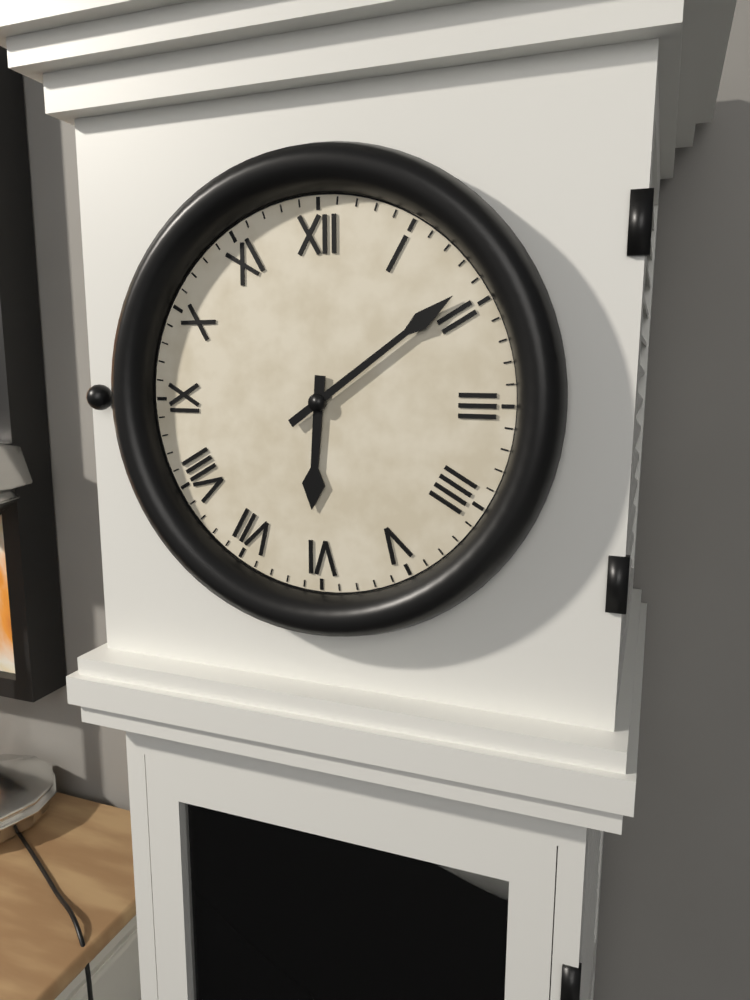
6:09
